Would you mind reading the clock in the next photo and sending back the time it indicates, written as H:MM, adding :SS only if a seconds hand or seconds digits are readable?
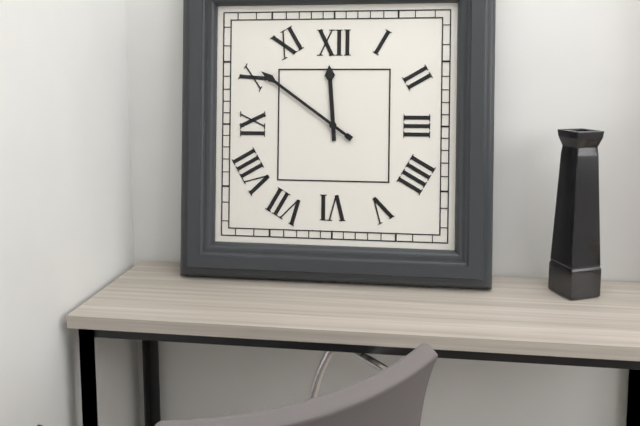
11:51
